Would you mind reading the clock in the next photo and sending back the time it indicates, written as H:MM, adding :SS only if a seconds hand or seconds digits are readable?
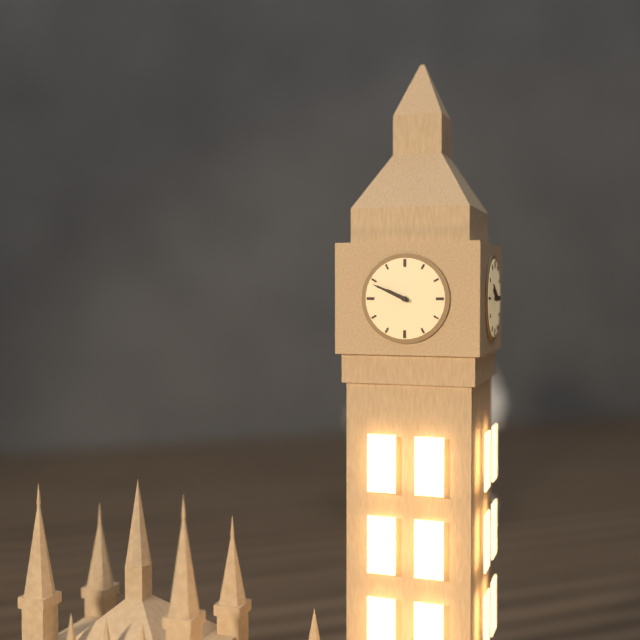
9:49
